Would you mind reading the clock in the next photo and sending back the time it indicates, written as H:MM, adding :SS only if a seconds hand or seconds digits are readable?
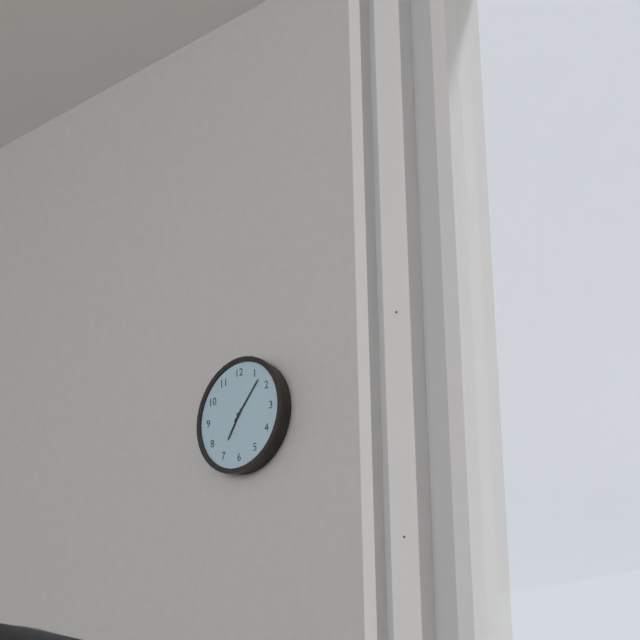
7:07
